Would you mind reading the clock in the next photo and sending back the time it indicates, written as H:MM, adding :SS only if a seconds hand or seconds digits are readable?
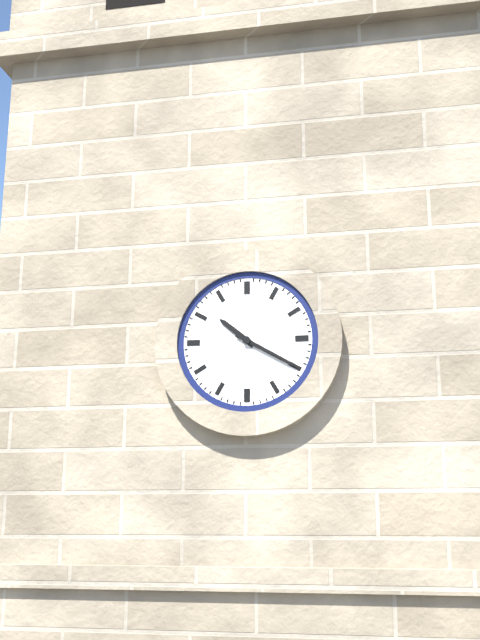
10:20
